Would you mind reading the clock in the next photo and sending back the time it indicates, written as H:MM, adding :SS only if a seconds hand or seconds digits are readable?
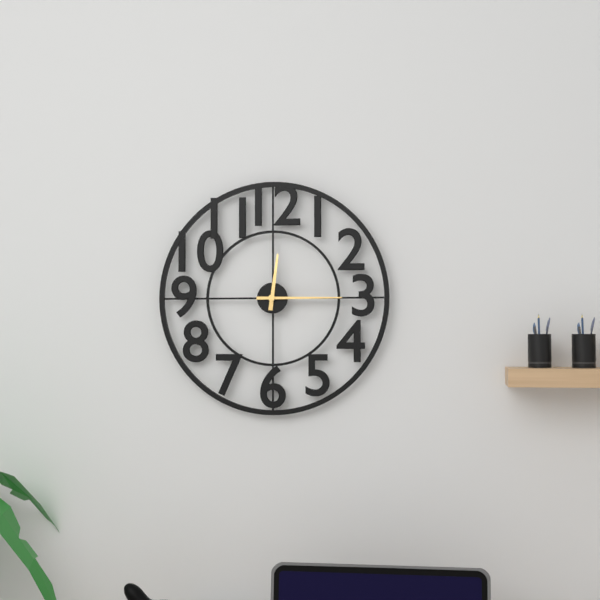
12:15
